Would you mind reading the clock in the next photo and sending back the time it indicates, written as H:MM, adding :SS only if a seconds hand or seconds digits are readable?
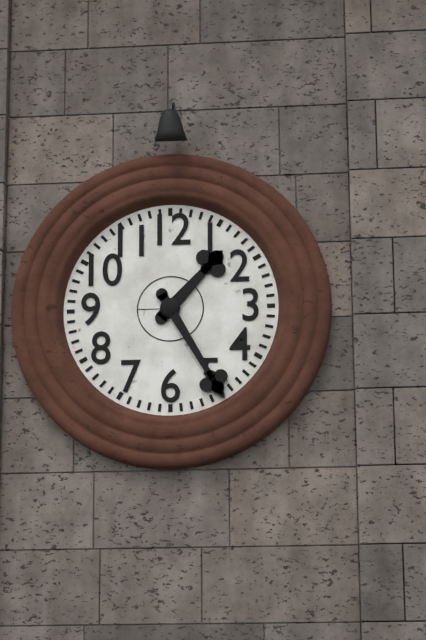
1:25
